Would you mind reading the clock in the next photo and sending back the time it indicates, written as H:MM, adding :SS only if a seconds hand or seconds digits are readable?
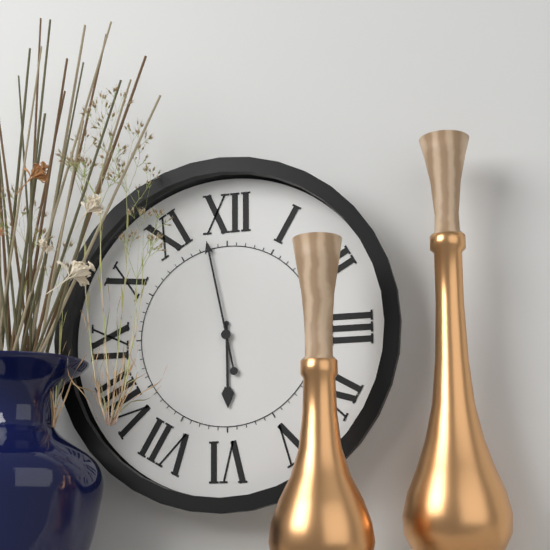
5:58
